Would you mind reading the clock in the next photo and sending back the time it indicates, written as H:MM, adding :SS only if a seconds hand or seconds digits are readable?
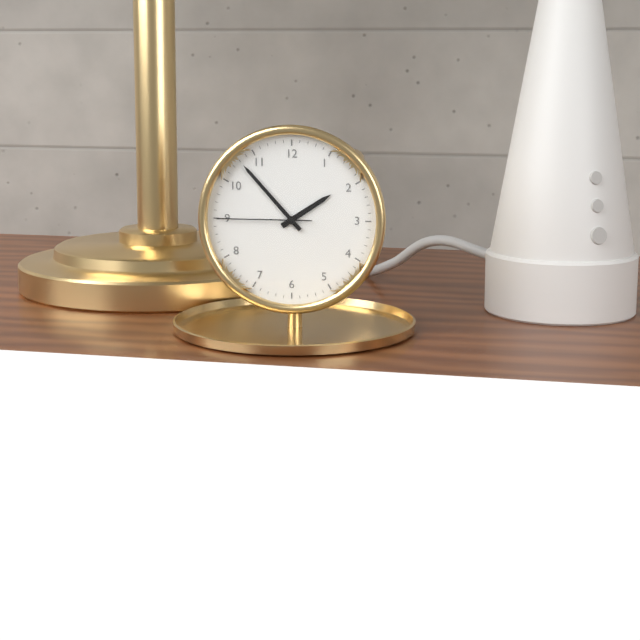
1:53:45
